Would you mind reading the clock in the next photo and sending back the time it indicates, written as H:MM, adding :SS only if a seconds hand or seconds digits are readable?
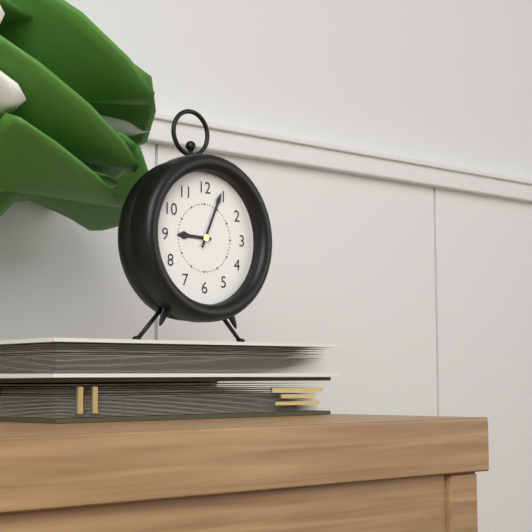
9:04
